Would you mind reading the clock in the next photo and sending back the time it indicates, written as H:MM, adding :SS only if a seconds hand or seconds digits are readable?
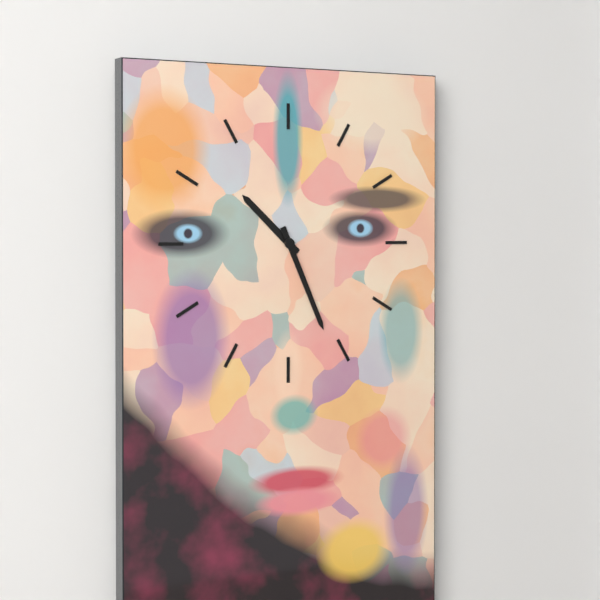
10:26
